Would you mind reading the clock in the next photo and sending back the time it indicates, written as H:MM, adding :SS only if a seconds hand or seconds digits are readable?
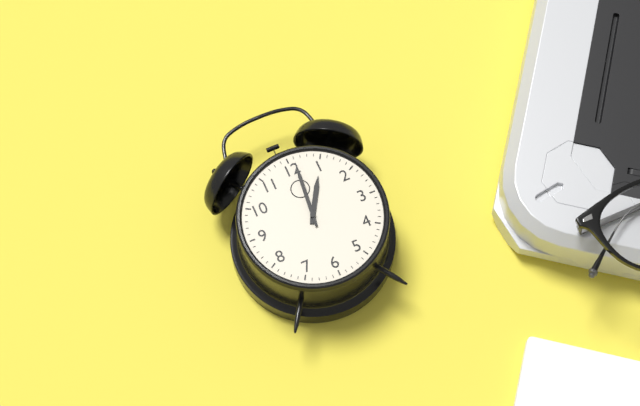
1:01
